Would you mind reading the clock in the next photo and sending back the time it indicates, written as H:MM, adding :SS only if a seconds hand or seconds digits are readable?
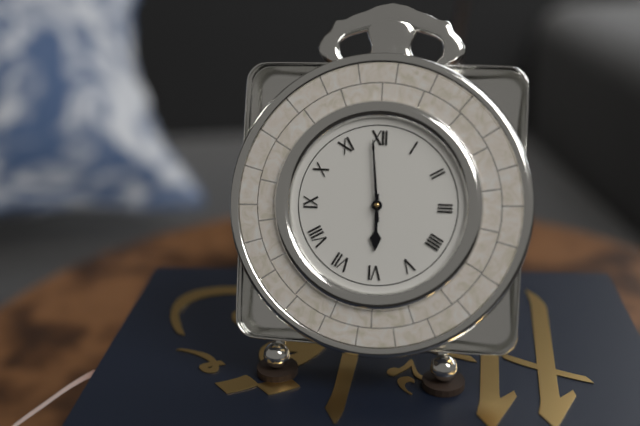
5:59
